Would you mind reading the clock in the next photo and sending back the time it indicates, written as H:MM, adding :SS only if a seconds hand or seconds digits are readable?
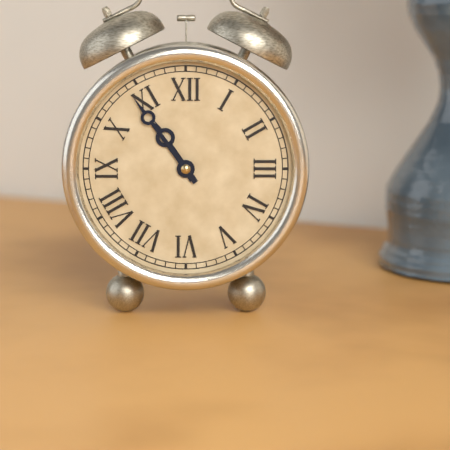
10:54
